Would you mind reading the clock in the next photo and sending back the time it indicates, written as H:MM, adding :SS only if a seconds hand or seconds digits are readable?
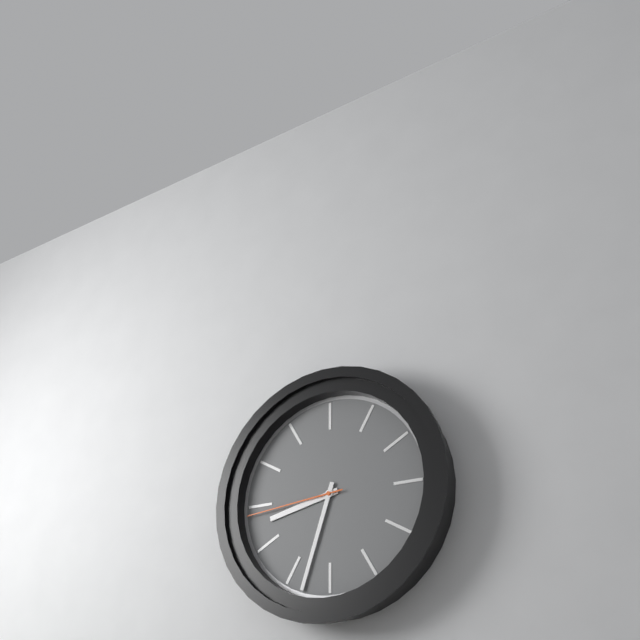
8:33:44
